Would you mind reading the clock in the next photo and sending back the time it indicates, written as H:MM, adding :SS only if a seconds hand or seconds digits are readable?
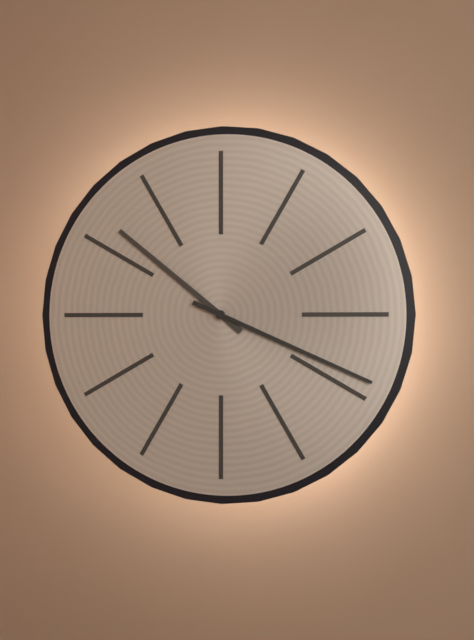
10:19
